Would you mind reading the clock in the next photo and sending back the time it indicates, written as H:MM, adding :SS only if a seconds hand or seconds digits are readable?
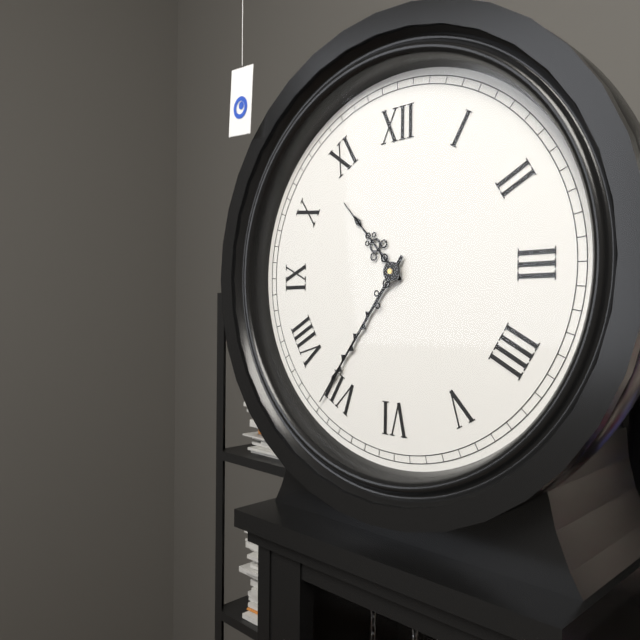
10:36
